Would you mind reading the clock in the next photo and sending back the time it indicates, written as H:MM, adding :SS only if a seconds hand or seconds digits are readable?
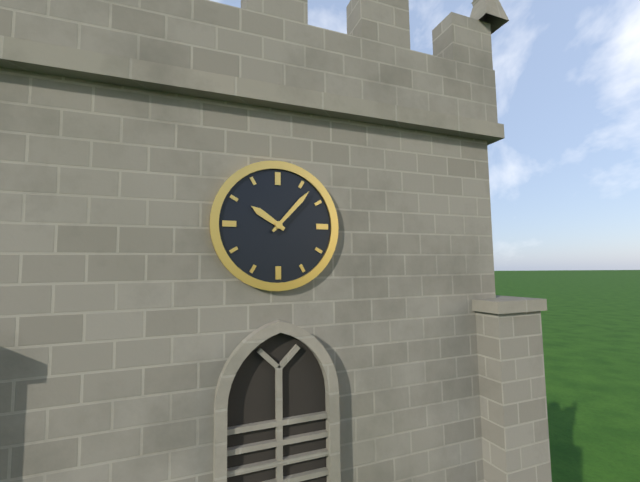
10:07
